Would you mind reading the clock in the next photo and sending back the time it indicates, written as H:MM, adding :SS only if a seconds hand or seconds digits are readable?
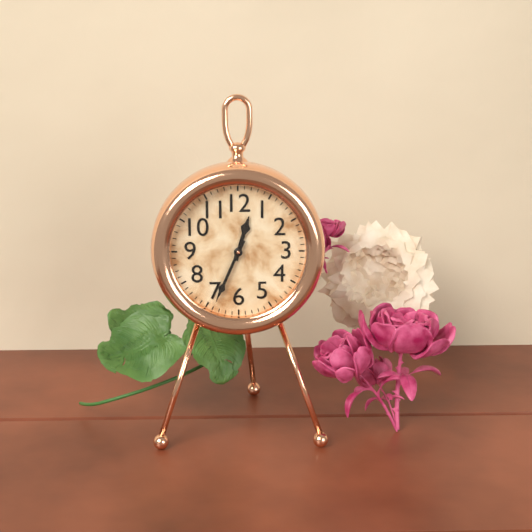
12:34
